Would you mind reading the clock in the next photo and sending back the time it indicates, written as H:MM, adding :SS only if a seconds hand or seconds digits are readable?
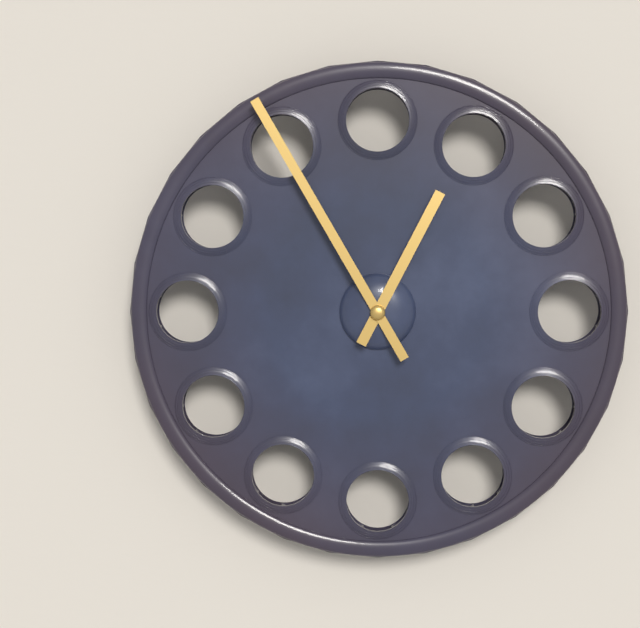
12:55
